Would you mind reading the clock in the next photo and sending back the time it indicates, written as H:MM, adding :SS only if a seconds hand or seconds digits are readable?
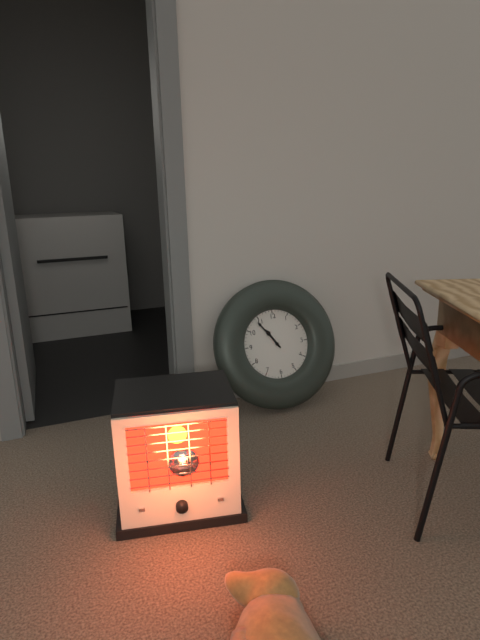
10:54
